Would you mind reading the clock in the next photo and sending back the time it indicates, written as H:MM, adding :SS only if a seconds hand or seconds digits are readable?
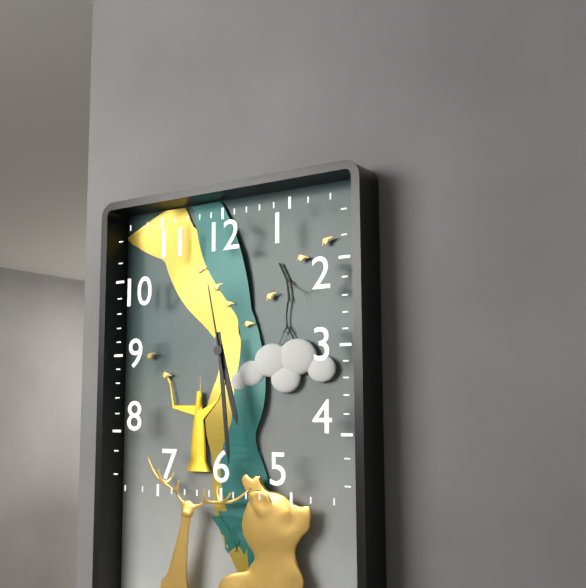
5:29:58
